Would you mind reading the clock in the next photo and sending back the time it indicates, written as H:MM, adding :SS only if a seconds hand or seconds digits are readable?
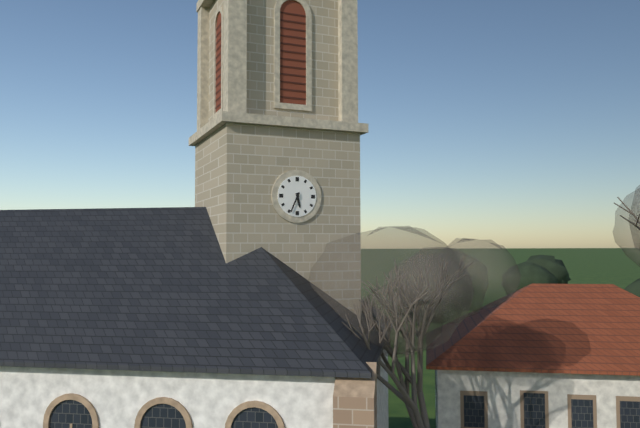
5:34
